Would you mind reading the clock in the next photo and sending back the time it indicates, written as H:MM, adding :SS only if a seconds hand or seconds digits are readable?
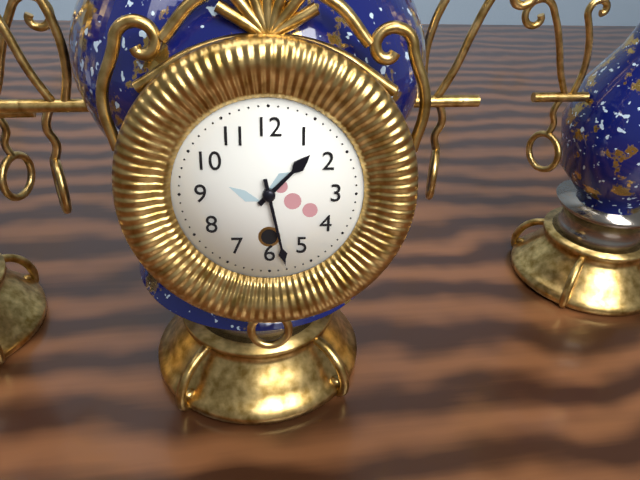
1:28
